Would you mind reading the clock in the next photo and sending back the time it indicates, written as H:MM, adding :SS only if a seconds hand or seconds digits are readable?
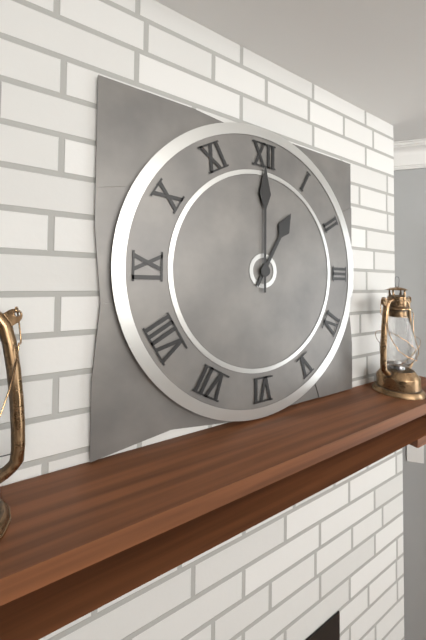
1:00
